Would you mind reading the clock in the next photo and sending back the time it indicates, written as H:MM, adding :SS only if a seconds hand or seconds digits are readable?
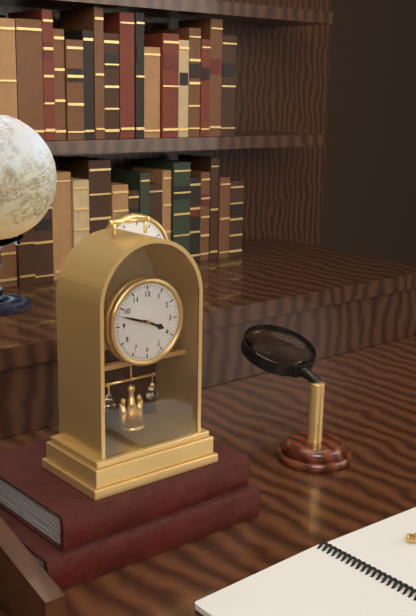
3:48
